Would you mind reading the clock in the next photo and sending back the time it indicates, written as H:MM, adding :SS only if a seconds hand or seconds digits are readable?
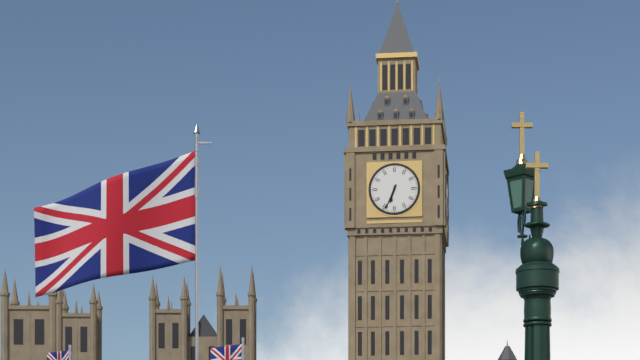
6:34
